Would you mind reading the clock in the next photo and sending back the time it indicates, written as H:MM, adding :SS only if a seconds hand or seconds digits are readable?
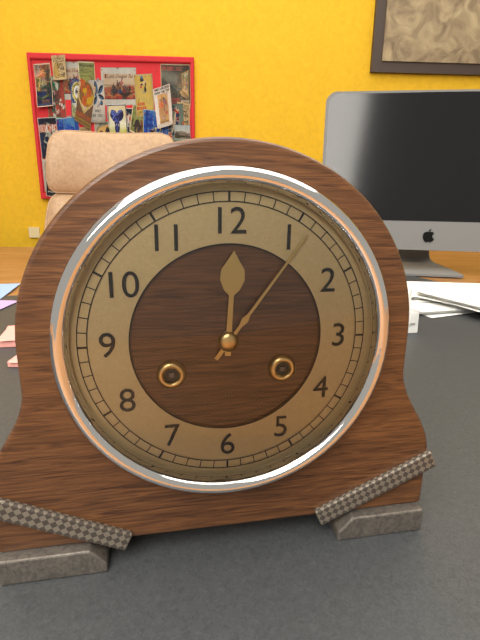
12:06
